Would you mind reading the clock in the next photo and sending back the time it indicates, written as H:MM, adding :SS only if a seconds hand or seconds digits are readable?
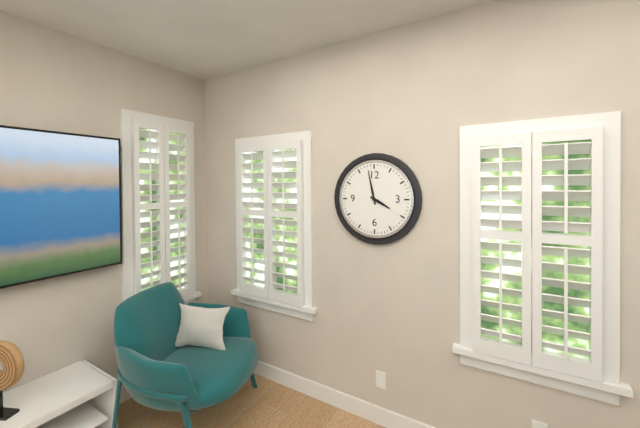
3:58
